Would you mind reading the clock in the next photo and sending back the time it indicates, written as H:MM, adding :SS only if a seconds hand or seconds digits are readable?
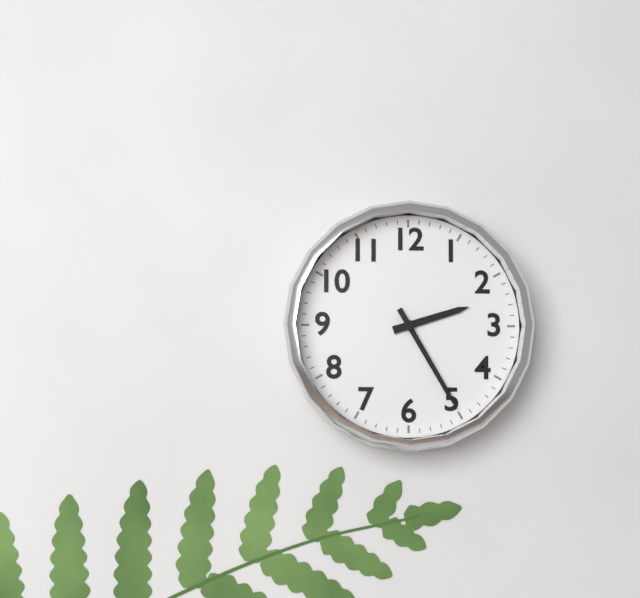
2:25
